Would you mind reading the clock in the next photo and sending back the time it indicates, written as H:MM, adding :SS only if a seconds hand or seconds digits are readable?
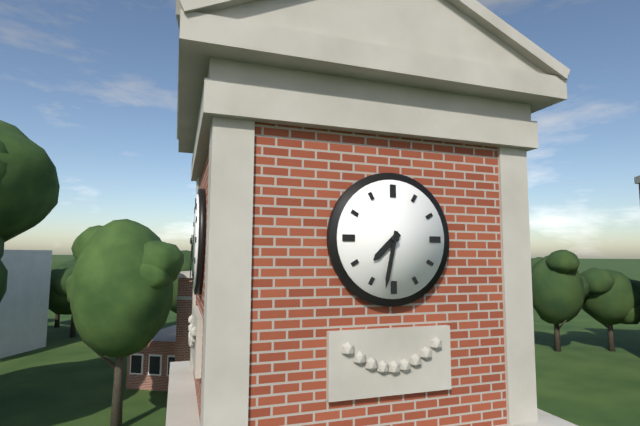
7:32
